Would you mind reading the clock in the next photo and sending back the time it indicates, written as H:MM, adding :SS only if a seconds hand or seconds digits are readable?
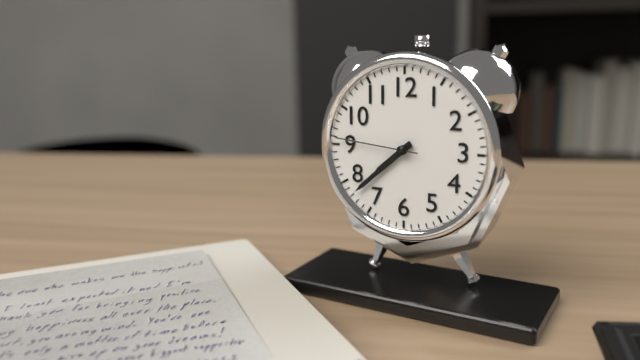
7:38:46
